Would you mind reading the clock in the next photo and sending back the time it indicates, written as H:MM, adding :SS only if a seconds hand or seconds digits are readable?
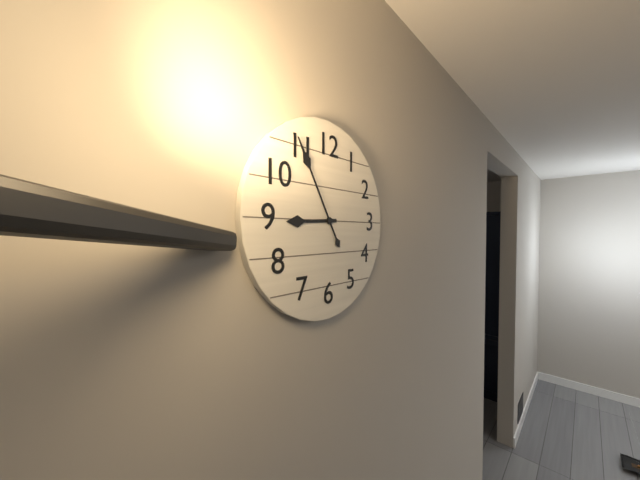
8:55
